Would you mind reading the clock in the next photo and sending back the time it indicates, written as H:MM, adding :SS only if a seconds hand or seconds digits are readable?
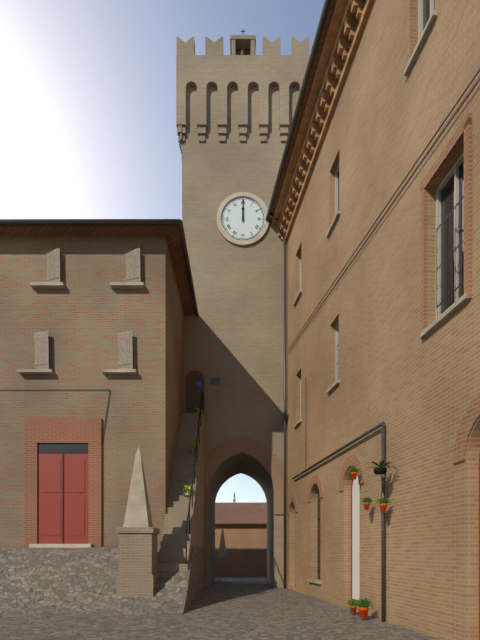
12:00
